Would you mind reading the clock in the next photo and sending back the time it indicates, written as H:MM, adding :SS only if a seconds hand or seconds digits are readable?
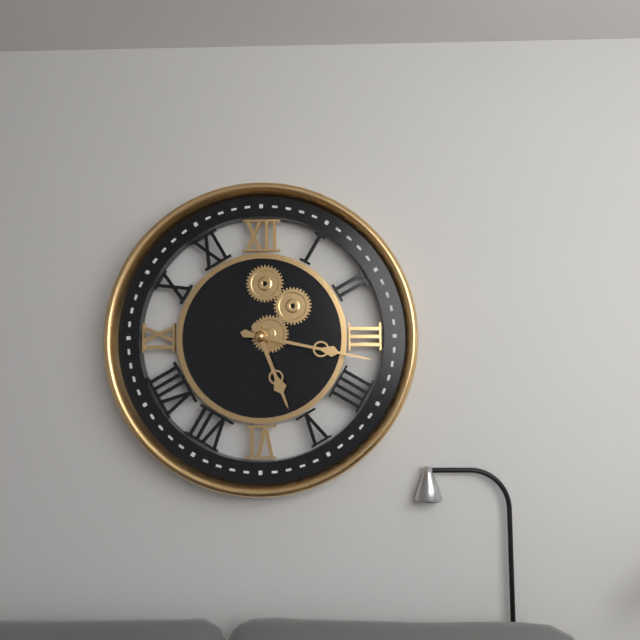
5:17
